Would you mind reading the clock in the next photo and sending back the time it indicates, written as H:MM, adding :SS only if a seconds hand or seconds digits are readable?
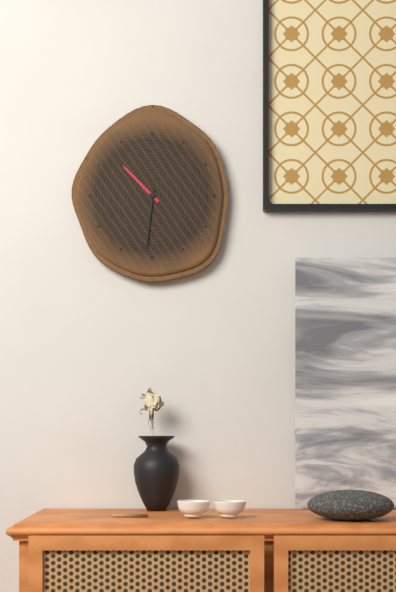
10:31
